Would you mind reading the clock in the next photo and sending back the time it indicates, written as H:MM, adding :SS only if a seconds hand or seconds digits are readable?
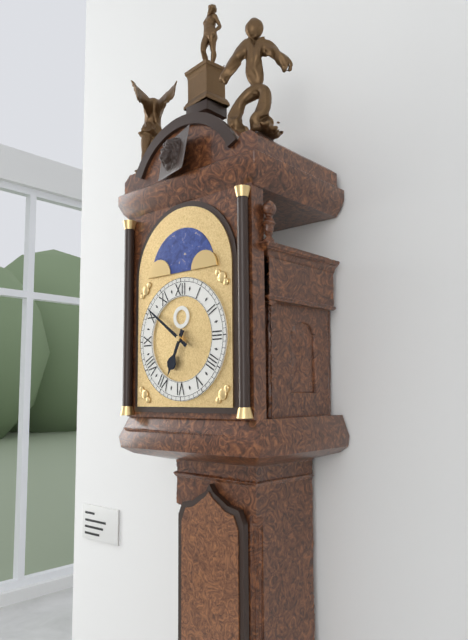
6:51
